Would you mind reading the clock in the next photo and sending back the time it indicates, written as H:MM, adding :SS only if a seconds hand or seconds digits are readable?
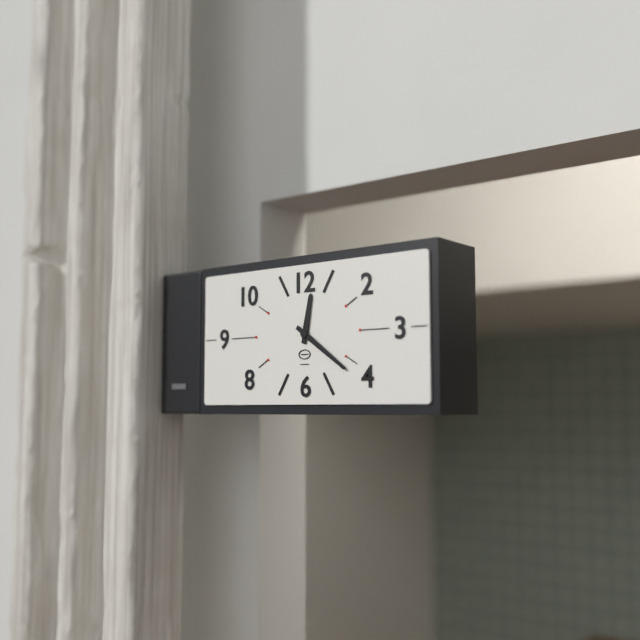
12:21
